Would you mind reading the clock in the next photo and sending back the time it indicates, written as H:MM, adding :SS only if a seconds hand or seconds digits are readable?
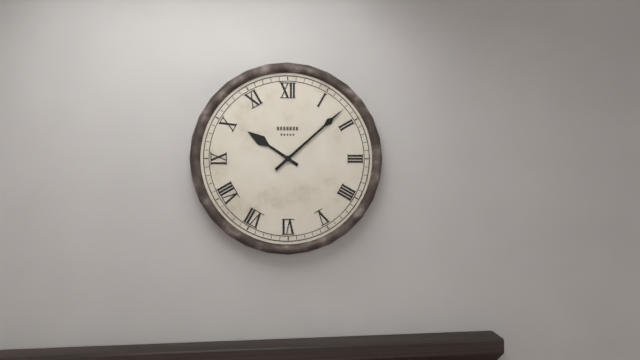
10:08
